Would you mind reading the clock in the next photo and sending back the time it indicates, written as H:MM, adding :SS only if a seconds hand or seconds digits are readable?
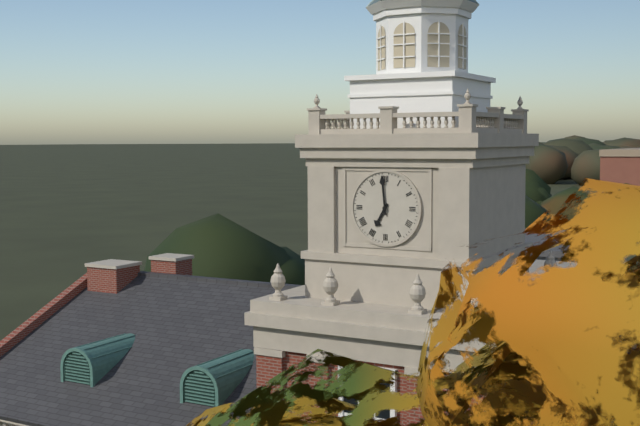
6:59
